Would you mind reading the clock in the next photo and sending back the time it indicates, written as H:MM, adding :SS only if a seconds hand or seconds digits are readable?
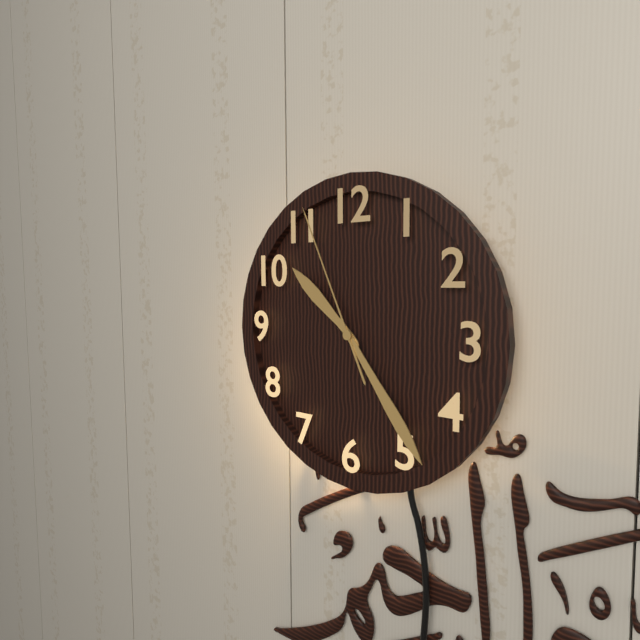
10:24:56
